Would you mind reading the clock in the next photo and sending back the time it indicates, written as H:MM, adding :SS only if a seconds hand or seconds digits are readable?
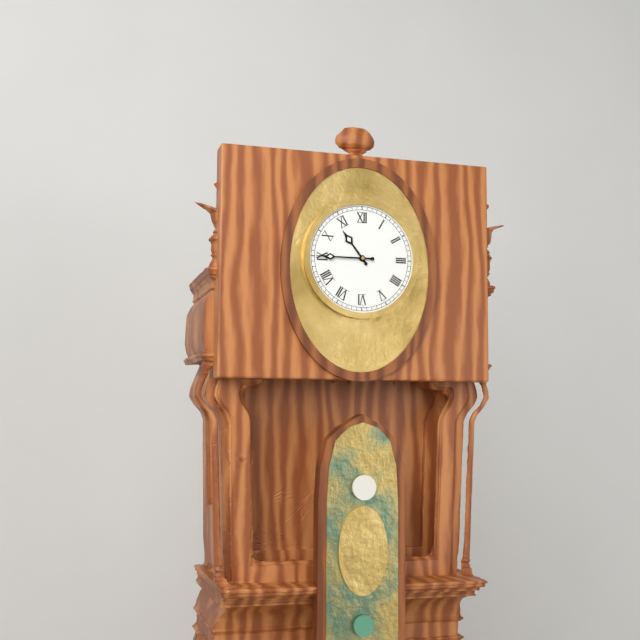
10:45
